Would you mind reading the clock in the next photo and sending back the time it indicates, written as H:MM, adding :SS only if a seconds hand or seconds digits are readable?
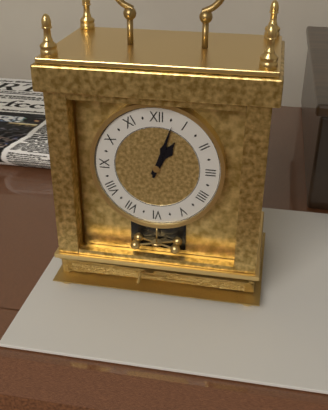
1:03
